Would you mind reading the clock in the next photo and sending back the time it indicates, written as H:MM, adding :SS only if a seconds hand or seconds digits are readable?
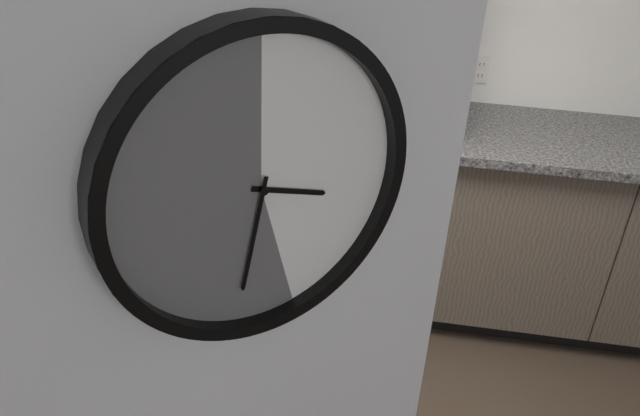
3:32
